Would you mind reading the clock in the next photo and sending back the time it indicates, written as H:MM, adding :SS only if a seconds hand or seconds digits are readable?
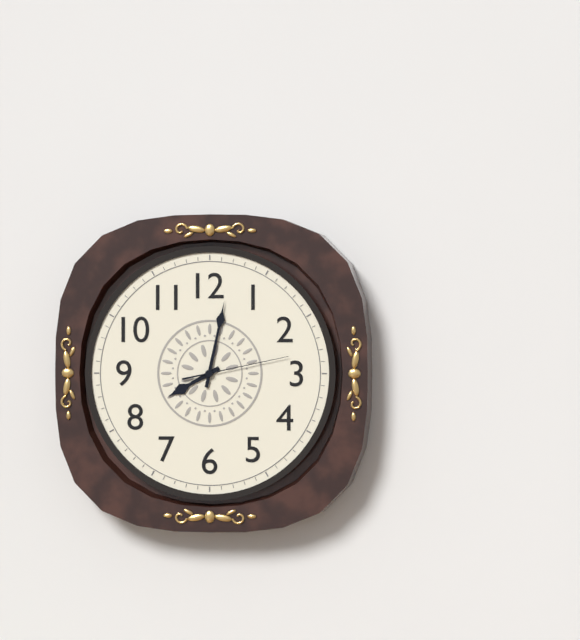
8:02:13
